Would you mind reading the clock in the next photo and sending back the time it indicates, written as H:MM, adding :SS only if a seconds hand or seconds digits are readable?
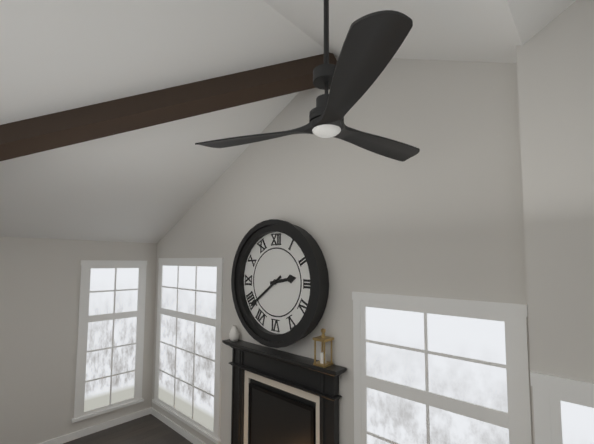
2:39
